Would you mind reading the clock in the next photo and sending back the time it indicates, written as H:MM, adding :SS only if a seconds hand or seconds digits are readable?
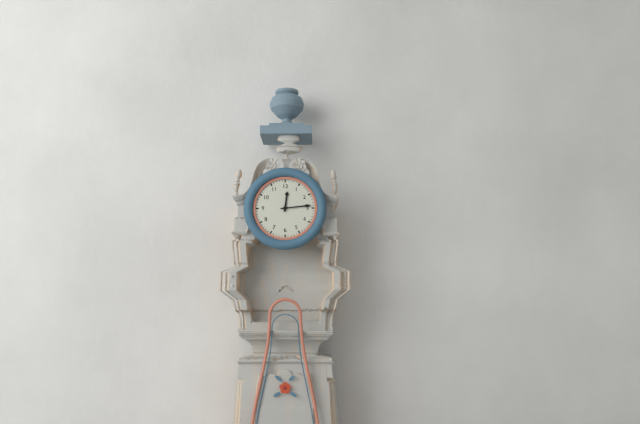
12:14
